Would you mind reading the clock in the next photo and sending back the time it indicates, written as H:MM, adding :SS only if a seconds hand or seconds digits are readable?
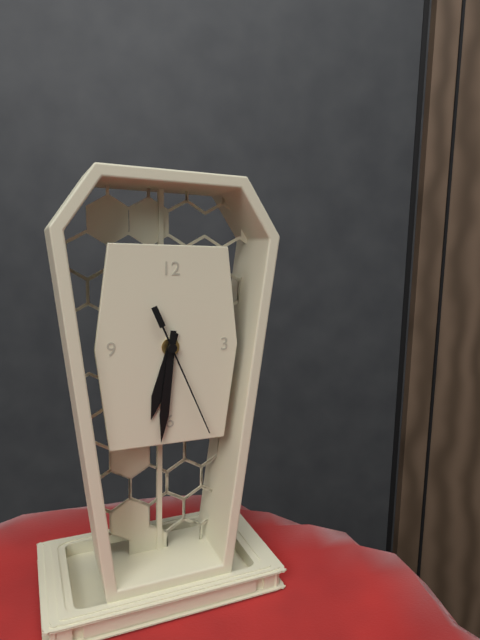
6:31:26
